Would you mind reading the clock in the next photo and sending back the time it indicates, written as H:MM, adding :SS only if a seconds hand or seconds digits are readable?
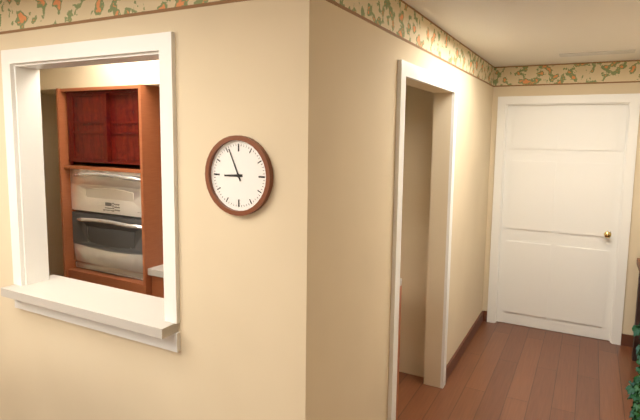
8:56
